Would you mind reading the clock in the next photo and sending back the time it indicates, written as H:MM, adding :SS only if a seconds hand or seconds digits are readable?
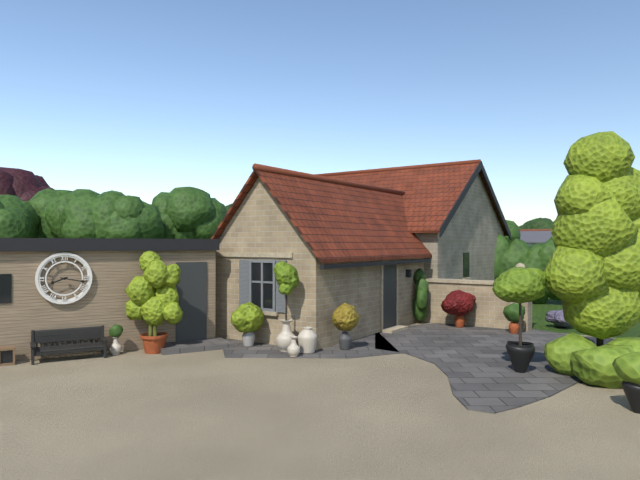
8:17
